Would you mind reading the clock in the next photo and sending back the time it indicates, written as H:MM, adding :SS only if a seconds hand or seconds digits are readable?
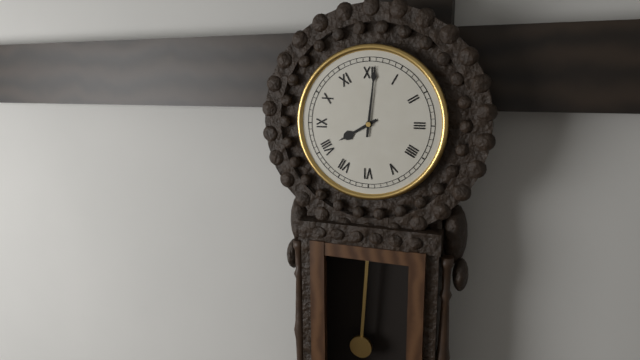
8:01
